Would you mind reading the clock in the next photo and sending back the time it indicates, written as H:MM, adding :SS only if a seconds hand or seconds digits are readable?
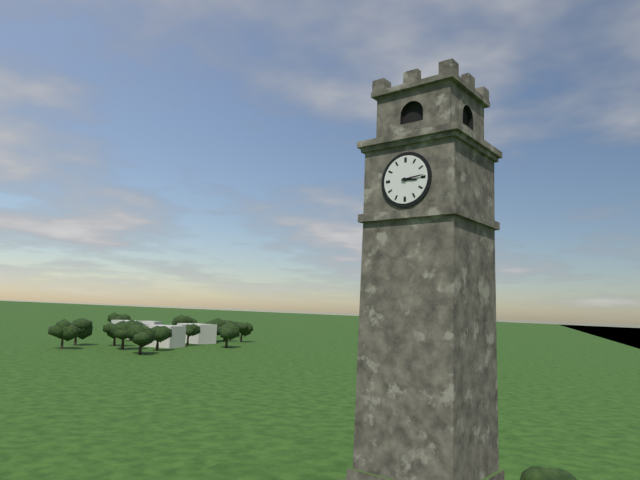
3:14
